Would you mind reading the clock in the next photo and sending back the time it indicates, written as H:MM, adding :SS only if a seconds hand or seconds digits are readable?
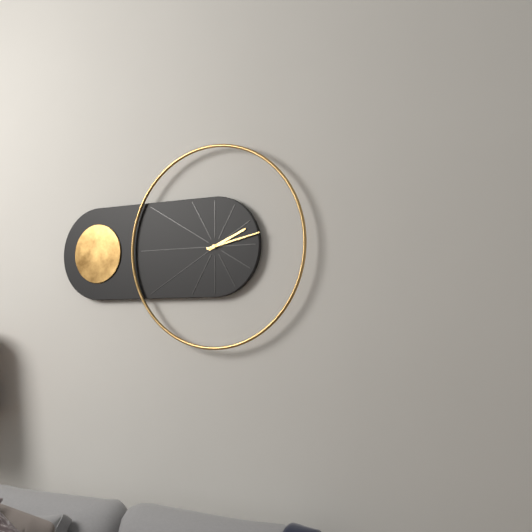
2:13
